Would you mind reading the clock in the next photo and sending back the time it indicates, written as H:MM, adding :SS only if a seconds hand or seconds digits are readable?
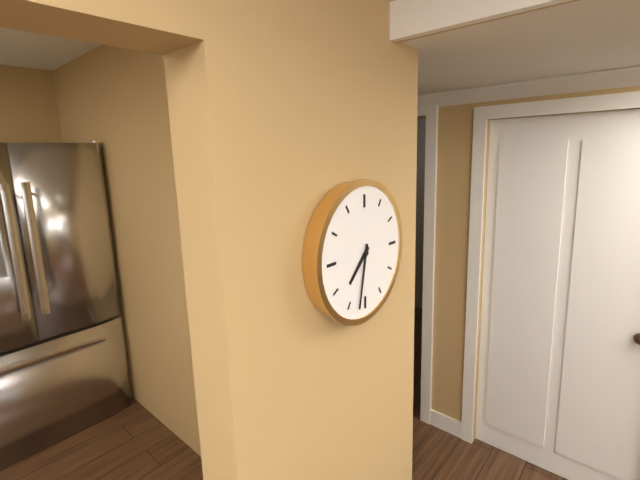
7:32
